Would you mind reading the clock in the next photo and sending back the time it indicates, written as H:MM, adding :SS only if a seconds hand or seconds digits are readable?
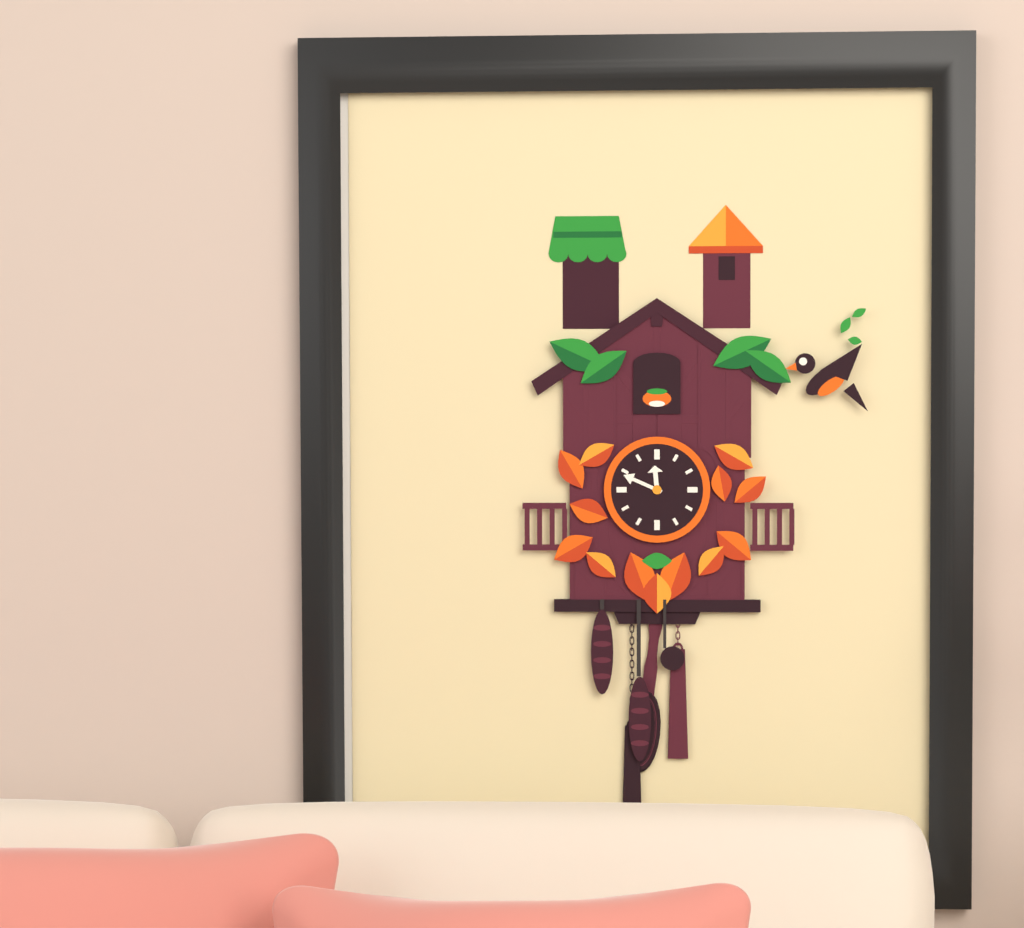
11:49
